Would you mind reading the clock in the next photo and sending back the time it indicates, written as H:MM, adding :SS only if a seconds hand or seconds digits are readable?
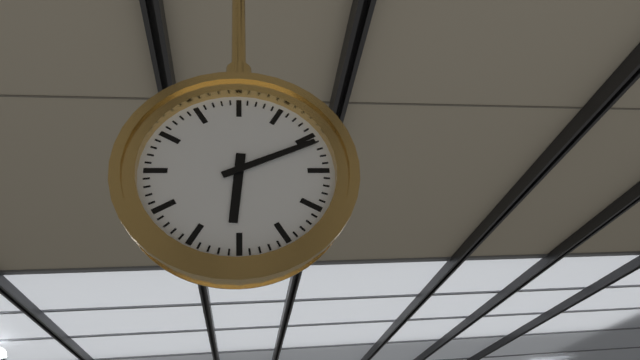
6:11
